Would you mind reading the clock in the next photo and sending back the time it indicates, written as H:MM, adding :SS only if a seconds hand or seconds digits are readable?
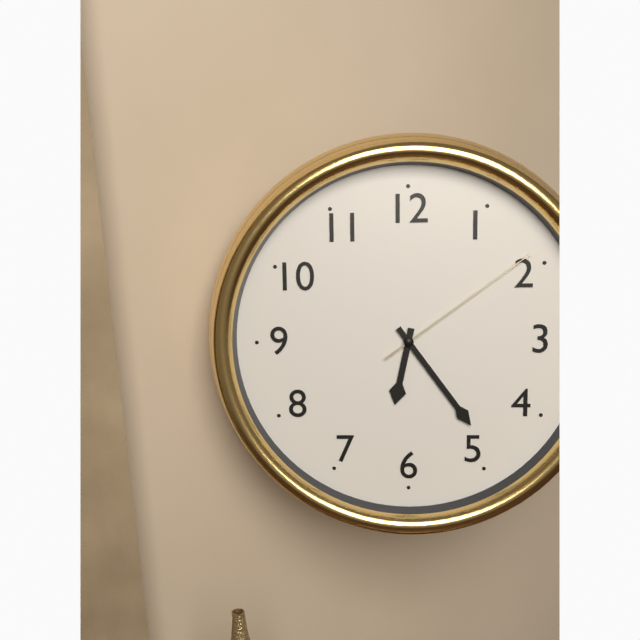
6:24:09
